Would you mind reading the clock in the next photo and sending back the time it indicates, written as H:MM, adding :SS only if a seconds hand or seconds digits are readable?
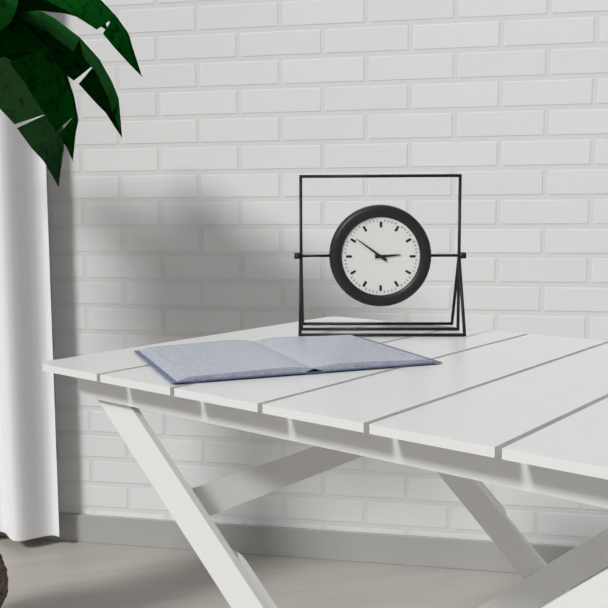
2:51
